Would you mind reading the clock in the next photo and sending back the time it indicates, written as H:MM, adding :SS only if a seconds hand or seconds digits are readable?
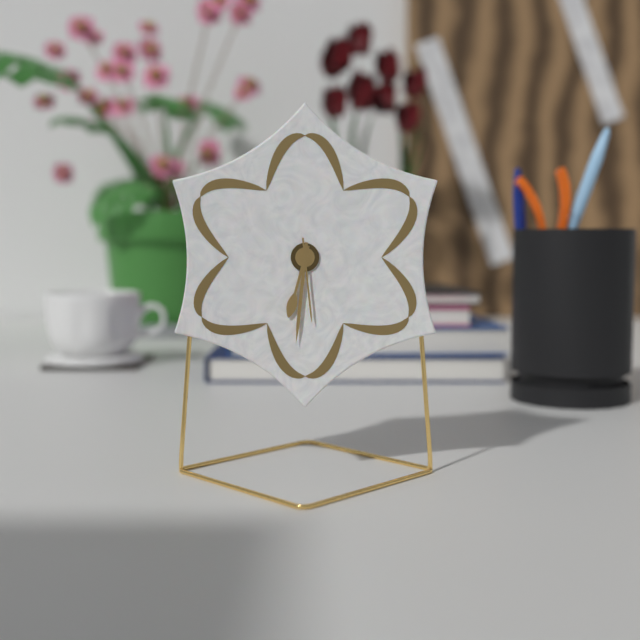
6:31:29
